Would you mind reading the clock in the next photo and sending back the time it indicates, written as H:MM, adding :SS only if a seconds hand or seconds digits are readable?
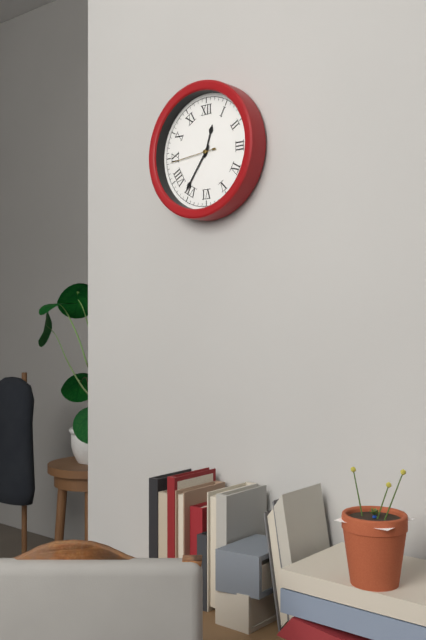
12:36
